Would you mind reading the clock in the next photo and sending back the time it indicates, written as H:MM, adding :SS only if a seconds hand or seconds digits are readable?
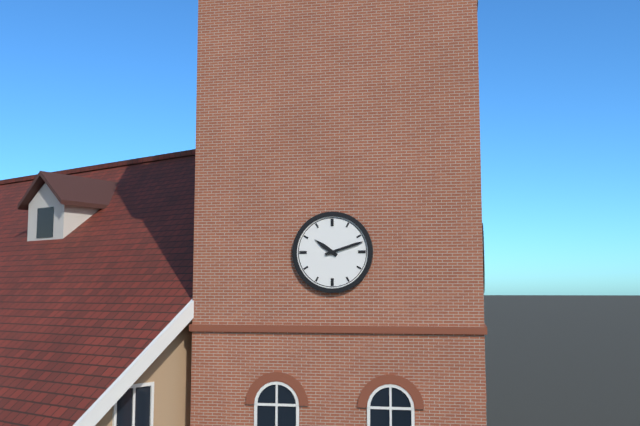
10:12
